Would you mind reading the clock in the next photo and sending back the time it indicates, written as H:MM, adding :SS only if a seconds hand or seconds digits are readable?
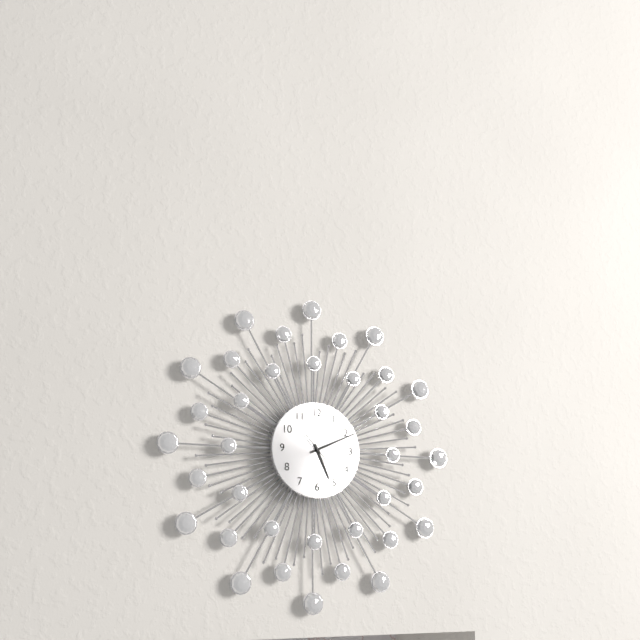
5:11:23
